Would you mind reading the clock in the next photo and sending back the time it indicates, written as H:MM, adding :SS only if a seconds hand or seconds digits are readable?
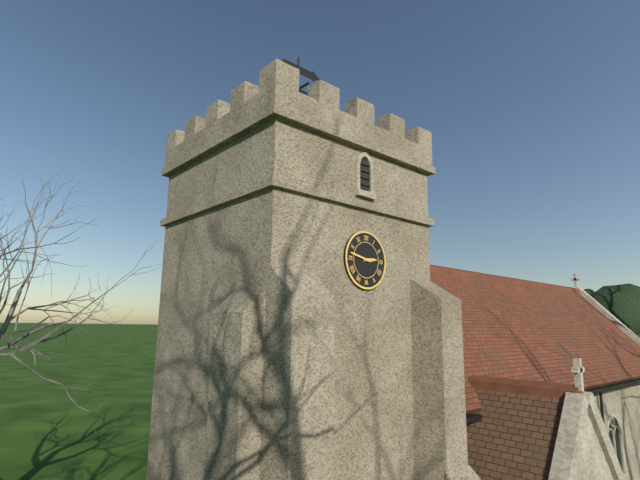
2:47
